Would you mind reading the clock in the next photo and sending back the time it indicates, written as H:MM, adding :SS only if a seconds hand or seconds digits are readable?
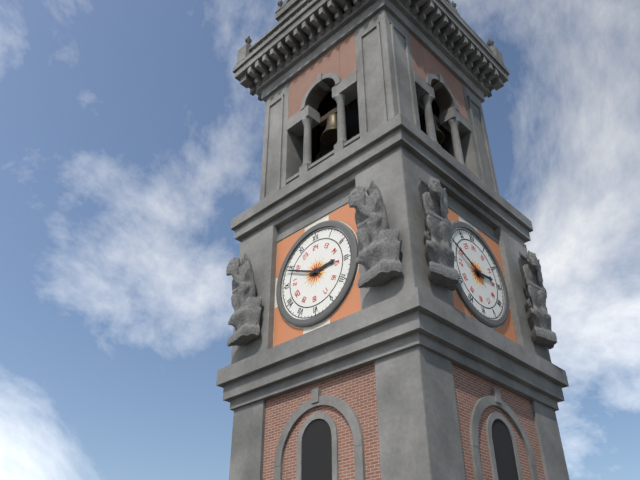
2:49
